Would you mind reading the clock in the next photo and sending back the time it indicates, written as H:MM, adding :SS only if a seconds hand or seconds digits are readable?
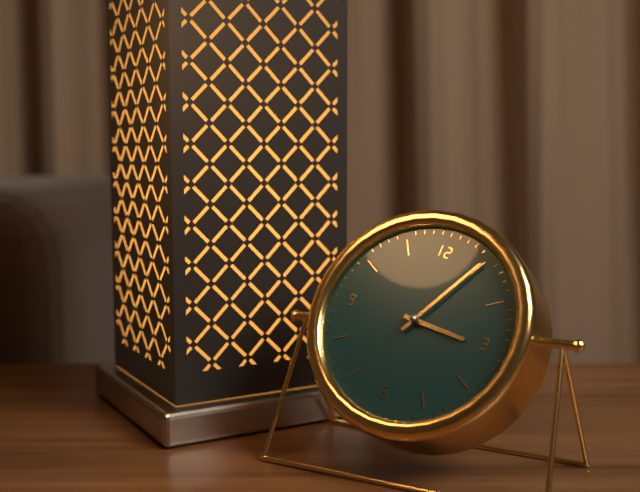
3:05
